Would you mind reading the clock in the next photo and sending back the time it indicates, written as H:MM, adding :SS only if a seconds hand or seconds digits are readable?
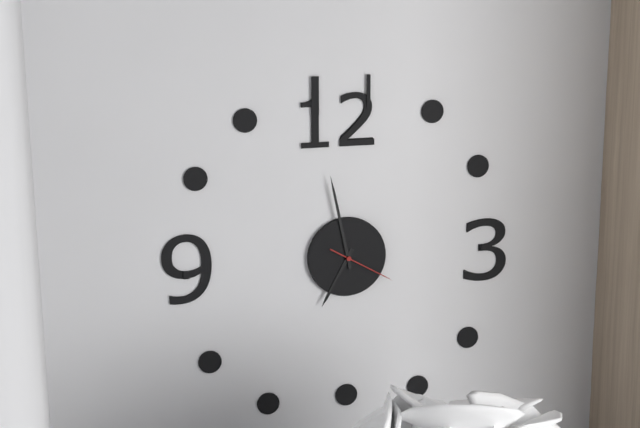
6:58:20
